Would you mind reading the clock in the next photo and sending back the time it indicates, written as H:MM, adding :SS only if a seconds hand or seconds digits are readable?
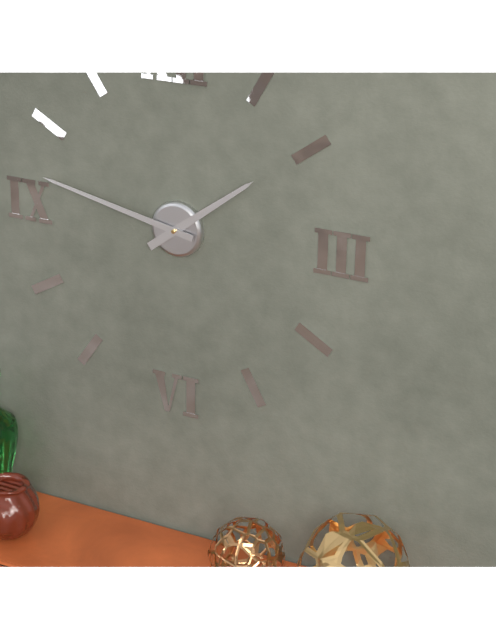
1:47
